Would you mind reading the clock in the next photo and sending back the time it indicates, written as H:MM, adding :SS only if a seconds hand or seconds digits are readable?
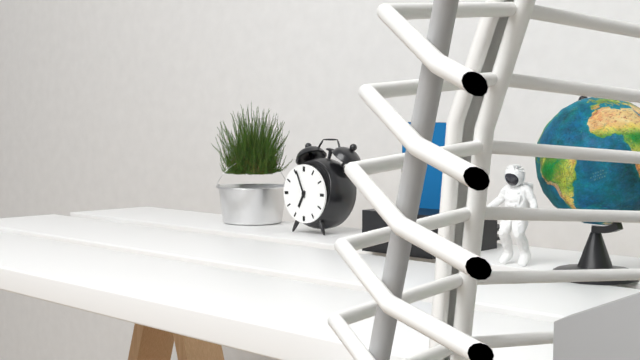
6:56
